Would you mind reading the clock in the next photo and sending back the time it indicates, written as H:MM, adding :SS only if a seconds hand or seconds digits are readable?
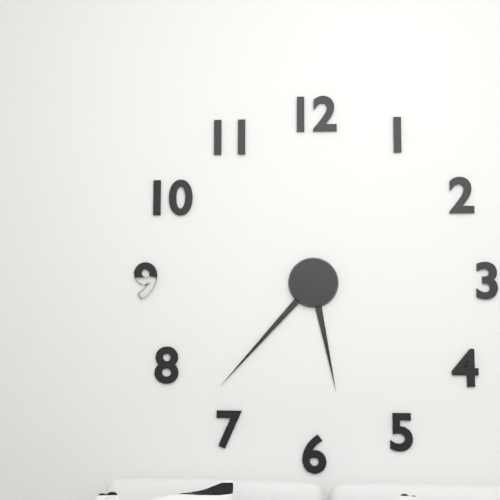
5:37
